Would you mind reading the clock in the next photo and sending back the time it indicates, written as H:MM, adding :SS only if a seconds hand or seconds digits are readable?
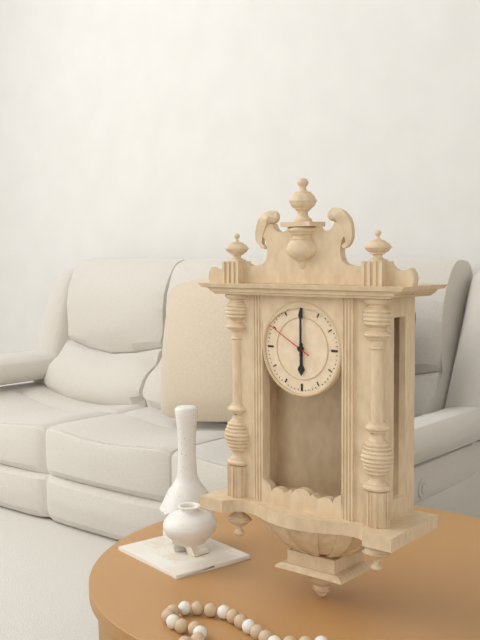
6:00
